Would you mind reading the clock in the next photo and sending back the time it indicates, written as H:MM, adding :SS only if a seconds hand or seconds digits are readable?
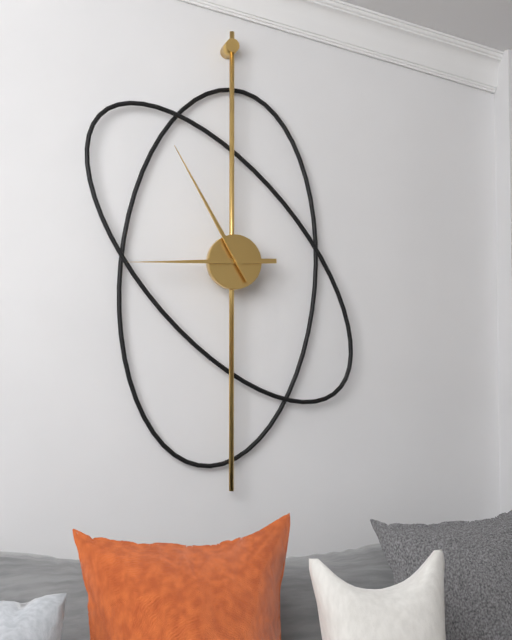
8:55
